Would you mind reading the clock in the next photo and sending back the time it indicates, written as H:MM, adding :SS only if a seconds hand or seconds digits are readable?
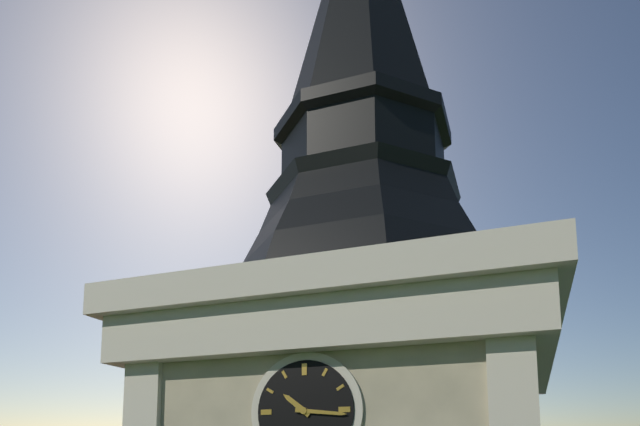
10:16
